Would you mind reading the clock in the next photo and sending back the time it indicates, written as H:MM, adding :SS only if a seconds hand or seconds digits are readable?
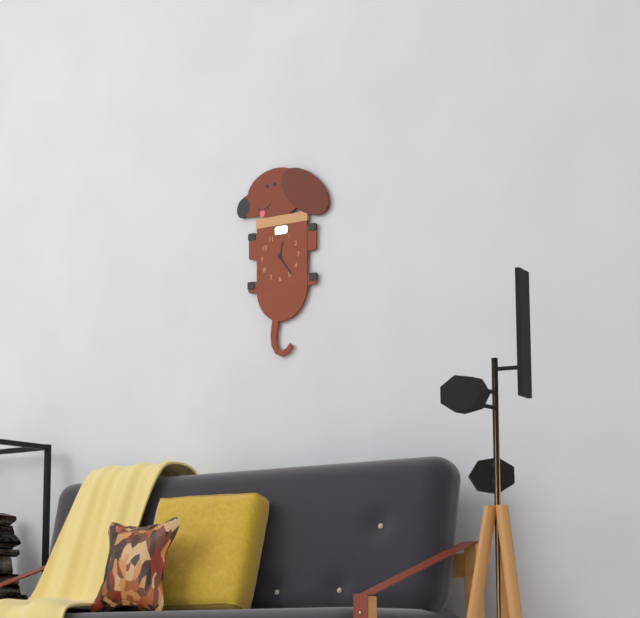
12:24
